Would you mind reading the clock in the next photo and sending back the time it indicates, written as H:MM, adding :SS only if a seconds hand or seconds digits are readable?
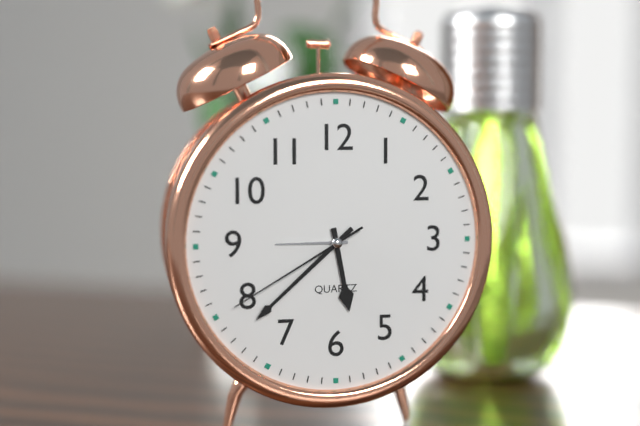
5:38:40
